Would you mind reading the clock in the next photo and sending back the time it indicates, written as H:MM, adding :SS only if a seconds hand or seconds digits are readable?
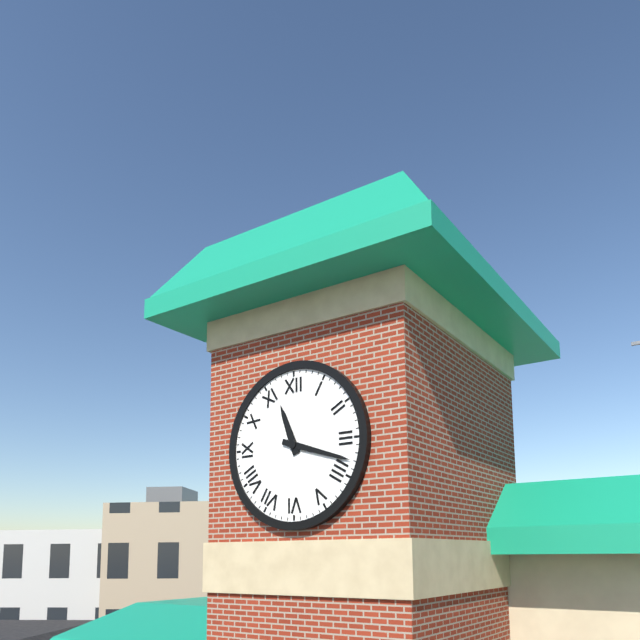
11:18
